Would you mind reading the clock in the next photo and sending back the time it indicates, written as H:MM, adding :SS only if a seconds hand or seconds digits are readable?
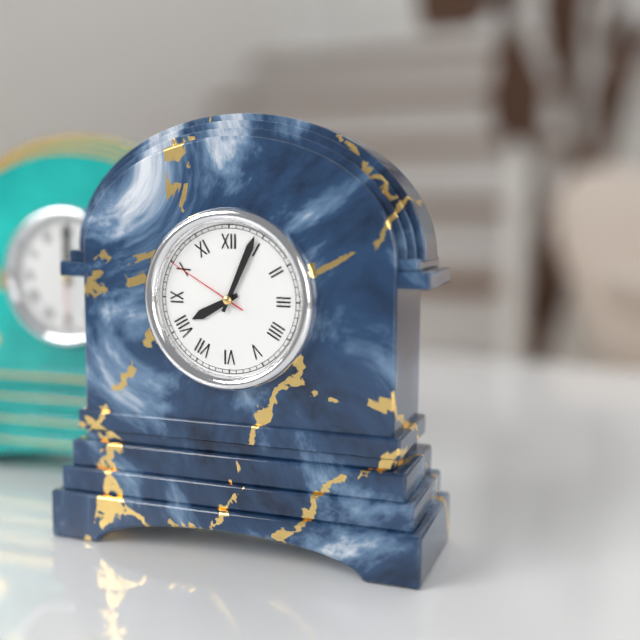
8:04:50
